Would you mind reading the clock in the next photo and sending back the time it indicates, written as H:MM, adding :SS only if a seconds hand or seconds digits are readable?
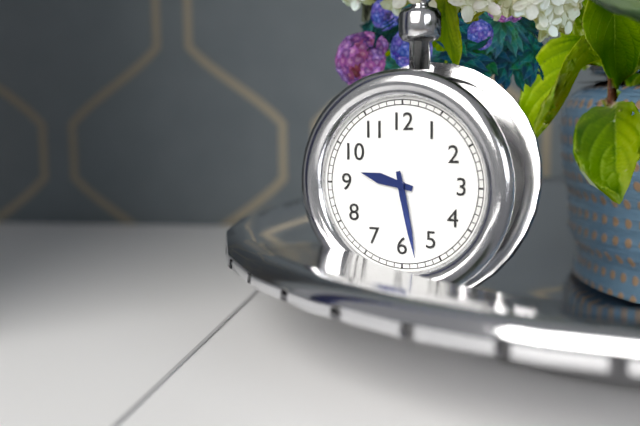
9:28
